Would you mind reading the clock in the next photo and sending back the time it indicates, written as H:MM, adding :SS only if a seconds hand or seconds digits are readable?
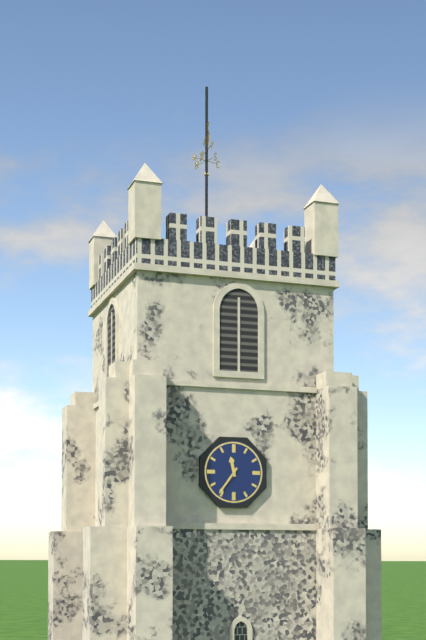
11:36
